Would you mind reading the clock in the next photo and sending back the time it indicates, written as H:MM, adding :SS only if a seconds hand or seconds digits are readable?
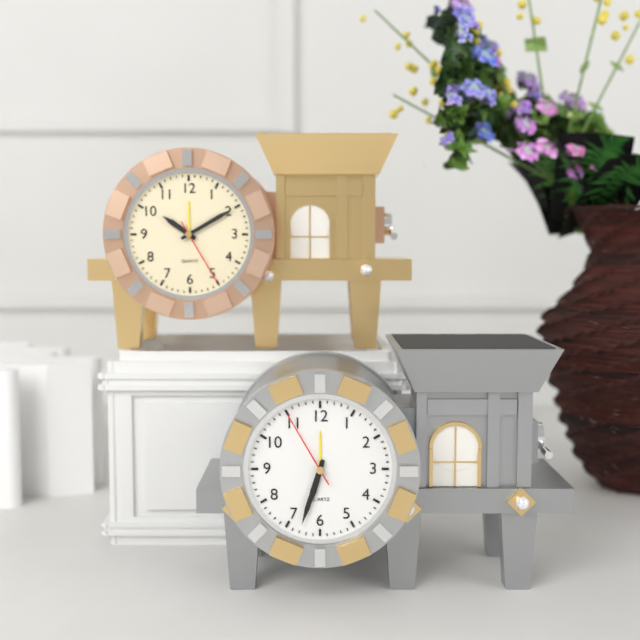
6:33:55
